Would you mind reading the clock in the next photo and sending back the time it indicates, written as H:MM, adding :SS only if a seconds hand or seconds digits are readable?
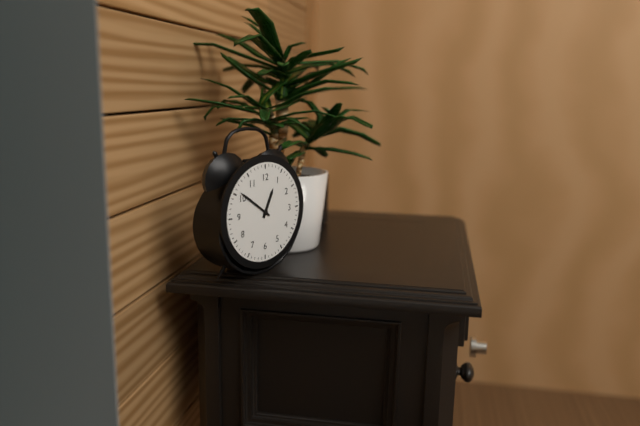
12:51
